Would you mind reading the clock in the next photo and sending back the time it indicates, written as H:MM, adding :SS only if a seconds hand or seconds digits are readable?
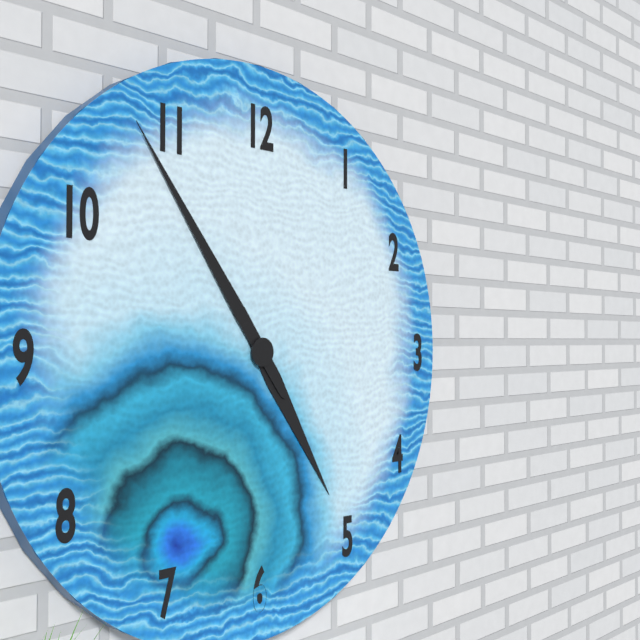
4:54
